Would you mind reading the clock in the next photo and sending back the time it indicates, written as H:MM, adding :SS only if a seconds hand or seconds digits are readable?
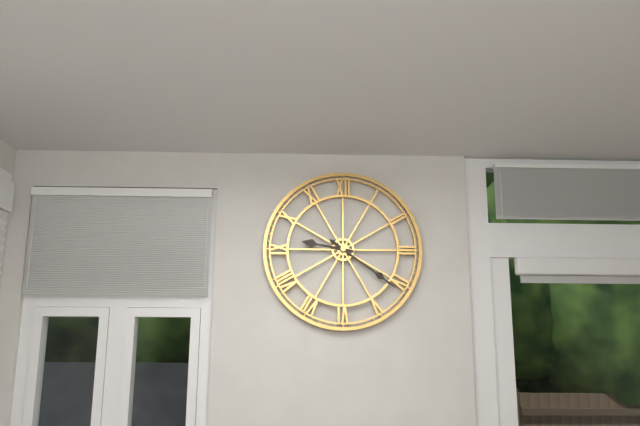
9:21
